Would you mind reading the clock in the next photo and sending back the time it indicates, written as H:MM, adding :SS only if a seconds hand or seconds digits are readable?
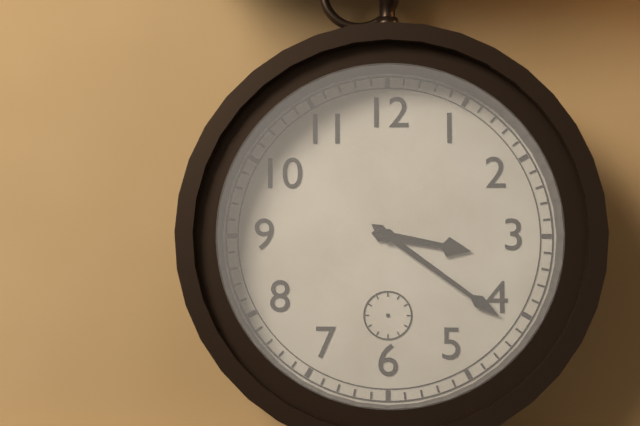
3:21
